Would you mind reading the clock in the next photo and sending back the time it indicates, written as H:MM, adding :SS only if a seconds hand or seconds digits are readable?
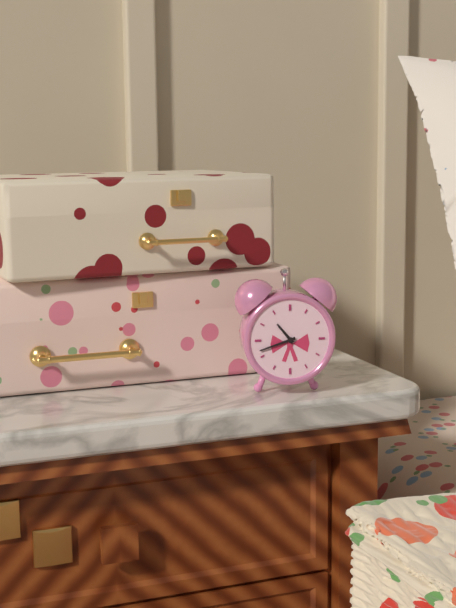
10:42
